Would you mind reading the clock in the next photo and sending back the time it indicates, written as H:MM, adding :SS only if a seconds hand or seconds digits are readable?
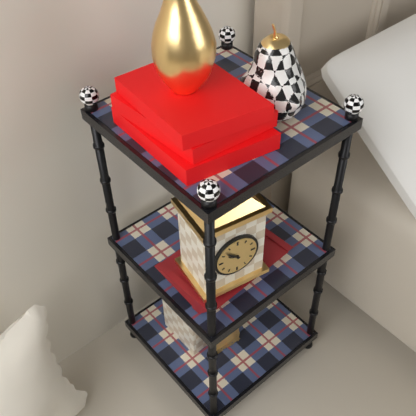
9:52
